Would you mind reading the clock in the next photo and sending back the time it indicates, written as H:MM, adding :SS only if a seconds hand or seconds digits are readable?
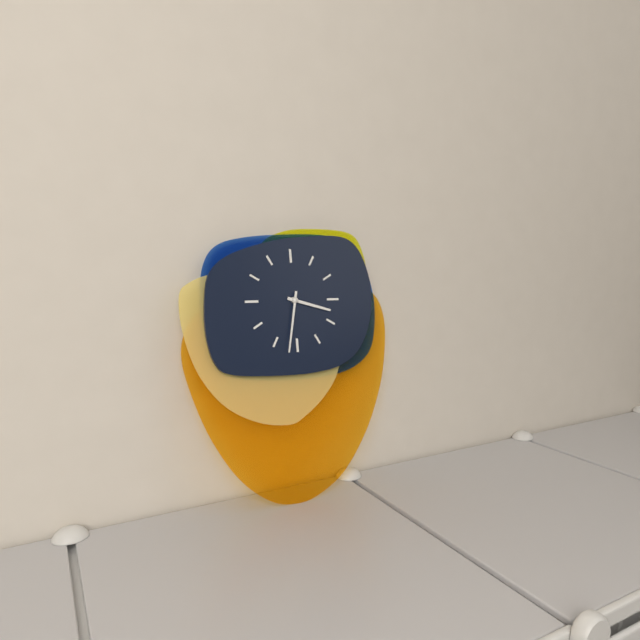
3:32
